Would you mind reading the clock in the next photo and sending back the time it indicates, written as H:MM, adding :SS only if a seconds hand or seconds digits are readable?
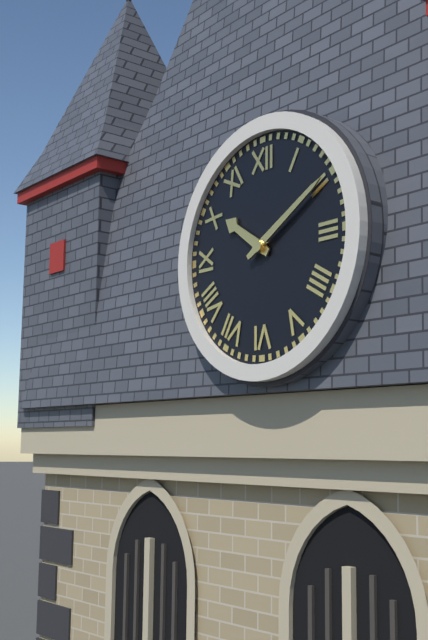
10:10
